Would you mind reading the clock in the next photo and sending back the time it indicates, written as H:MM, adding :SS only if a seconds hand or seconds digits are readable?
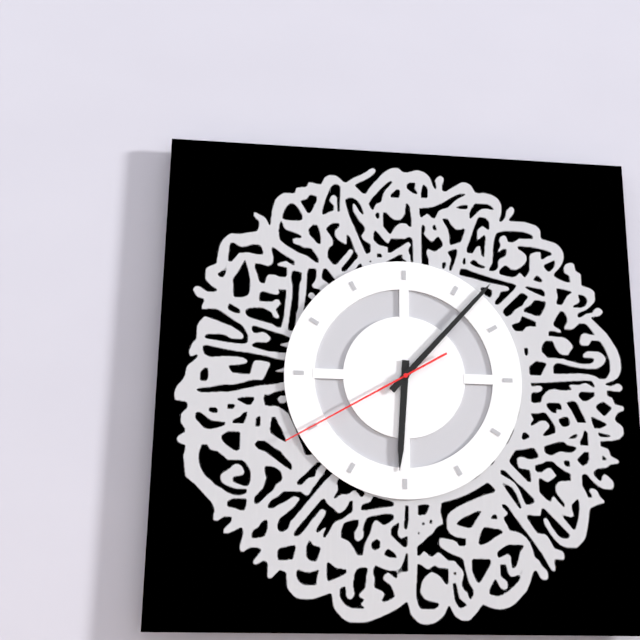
6:07:40
